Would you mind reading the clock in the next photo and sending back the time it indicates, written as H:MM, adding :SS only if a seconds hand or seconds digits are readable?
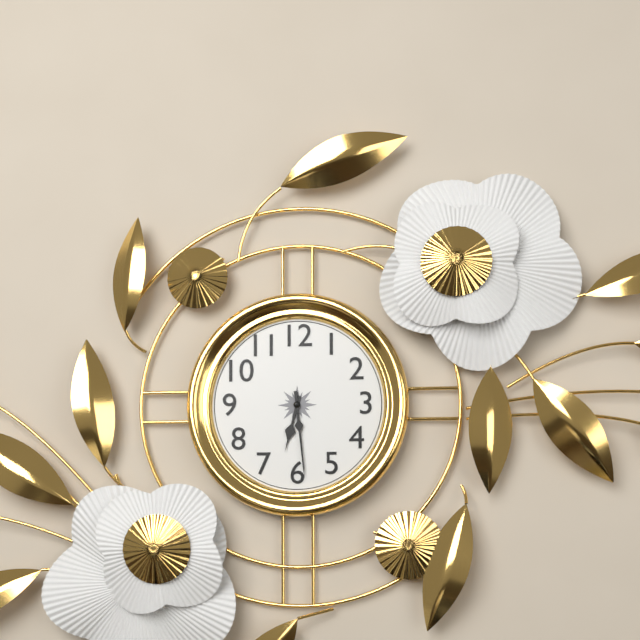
6:29
